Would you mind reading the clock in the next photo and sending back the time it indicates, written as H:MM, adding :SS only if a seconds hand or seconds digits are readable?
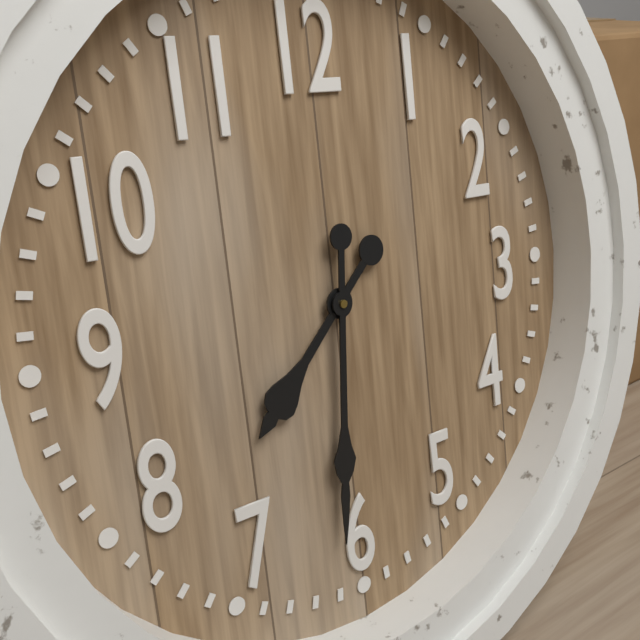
7:31
